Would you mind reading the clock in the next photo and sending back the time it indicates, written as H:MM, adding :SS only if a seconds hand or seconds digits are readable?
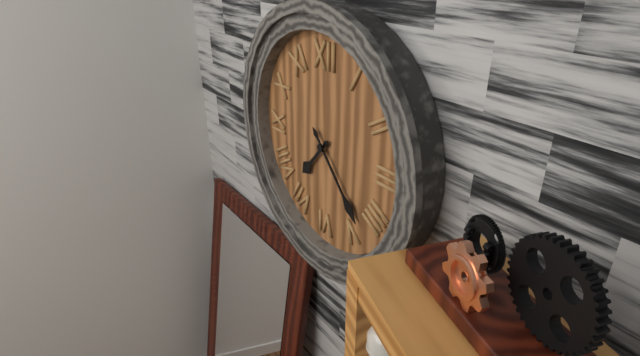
7:23
